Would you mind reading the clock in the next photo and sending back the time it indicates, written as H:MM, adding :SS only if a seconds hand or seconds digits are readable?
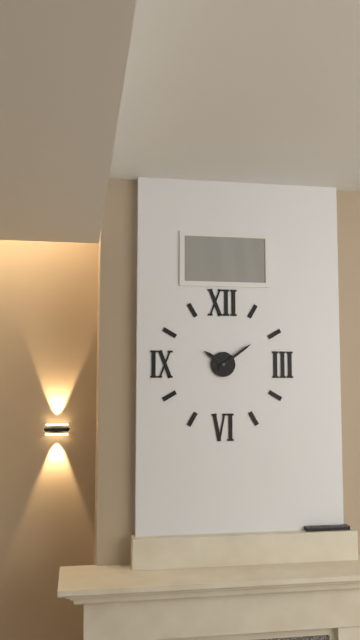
10:09
